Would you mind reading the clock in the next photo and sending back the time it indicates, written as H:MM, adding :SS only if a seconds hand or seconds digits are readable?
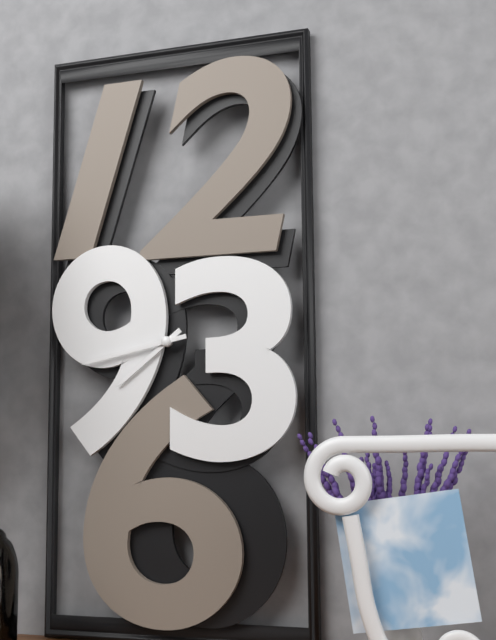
7:43
